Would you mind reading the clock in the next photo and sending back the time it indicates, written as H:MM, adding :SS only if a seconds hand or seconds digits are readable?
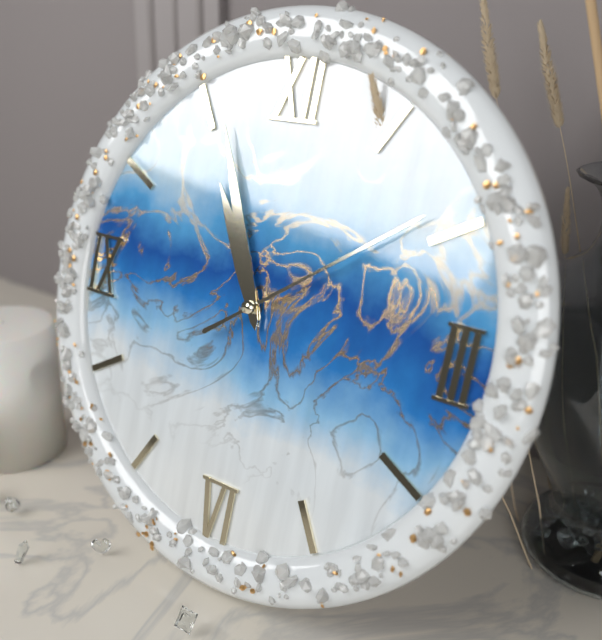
10:56:09
